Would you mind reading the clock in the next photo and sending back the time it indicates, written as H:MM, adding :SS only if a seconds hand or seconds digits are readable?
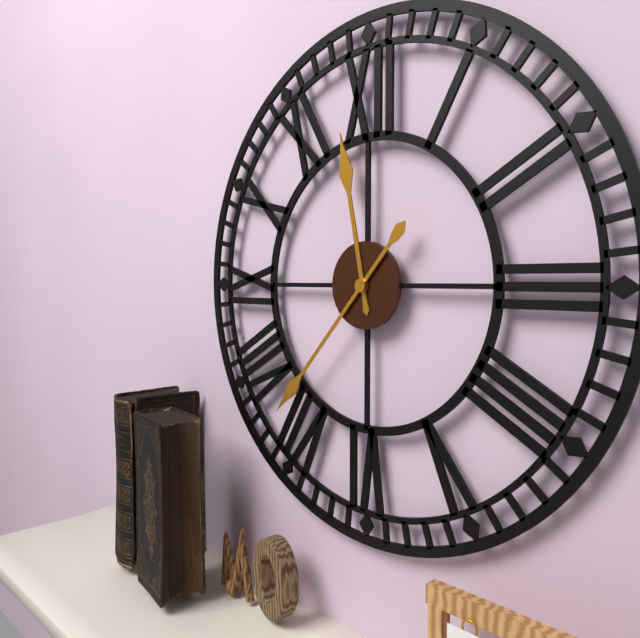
11:37
